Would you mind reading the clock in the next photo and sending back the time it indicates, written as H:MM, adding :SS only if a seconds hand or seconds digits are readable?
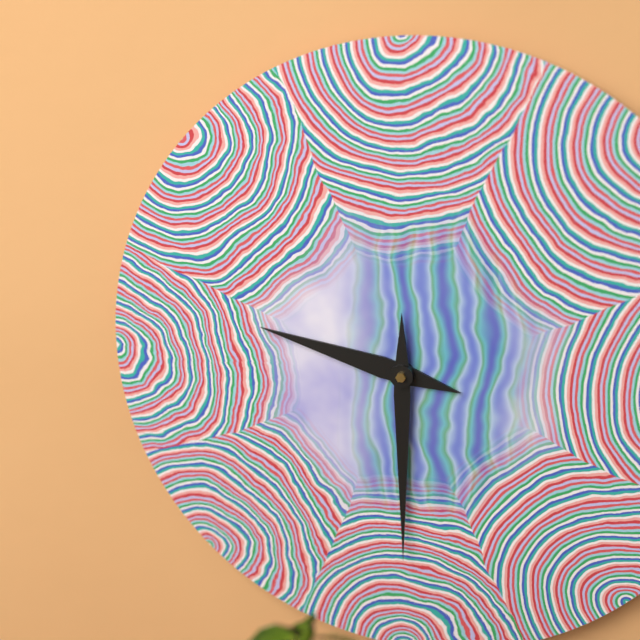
9:30
